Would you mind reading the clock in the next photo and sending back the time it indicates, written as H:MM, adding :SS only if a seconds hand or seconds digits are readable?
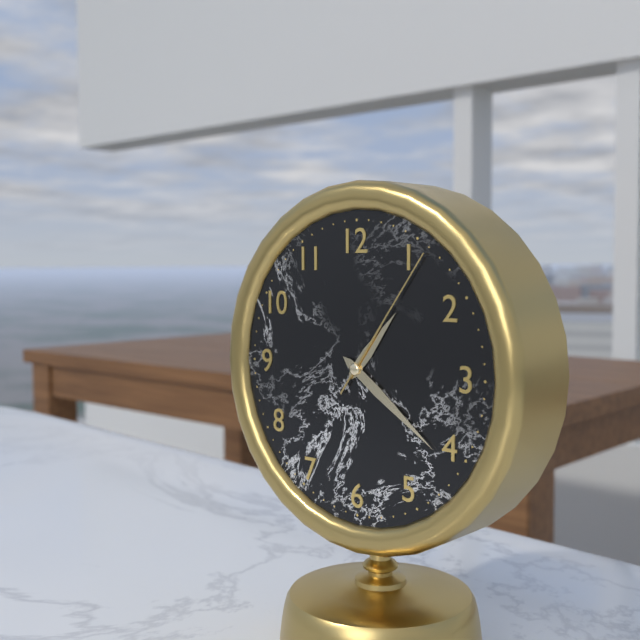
1:21:06
